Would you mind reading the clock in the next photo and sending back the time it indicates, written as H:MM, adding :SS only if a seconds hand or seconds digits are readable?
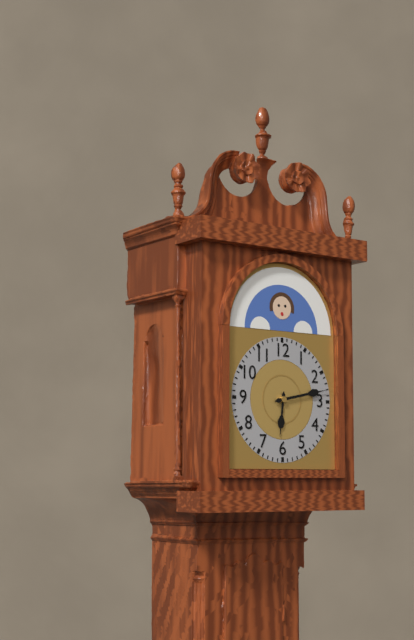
6:13
